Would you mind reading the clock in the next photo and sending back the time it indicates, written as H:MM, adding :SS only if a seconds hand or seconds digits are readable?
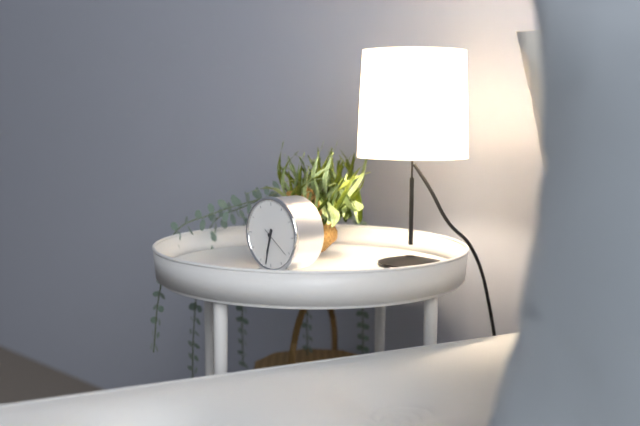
6:32
